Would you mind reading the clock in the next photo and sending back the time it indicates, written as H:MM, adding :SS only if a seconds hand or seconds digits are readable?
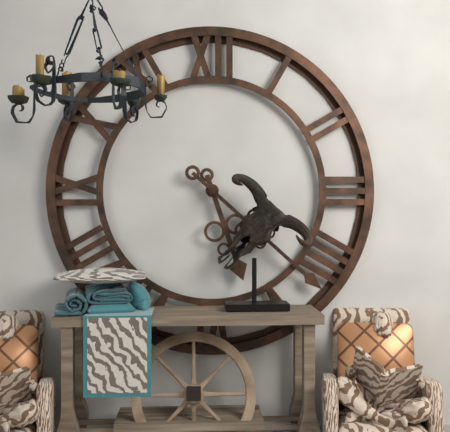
5:22
